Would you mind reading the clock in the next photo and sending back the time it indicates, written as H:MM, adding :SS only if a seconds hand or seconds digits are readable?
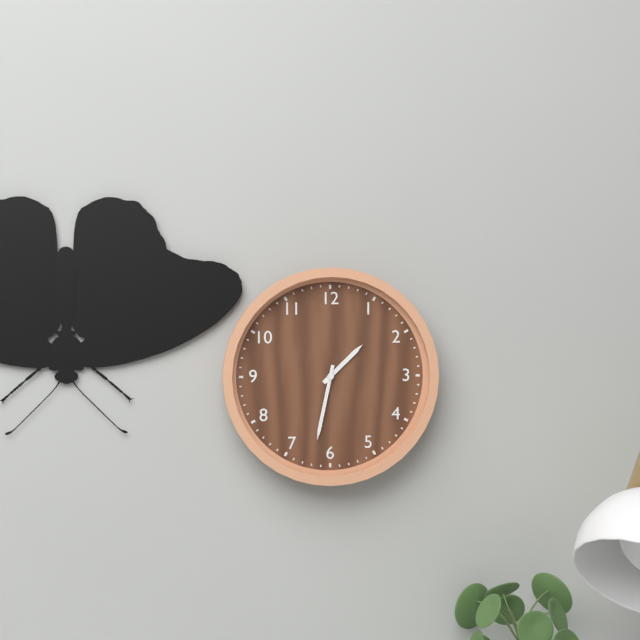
1:32
